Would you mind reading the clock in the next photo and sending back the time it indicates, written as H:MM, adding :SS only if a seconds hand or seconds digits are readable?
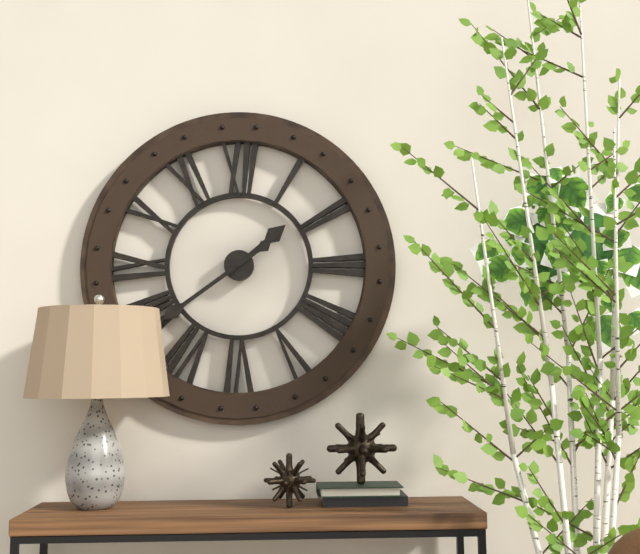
1:39
